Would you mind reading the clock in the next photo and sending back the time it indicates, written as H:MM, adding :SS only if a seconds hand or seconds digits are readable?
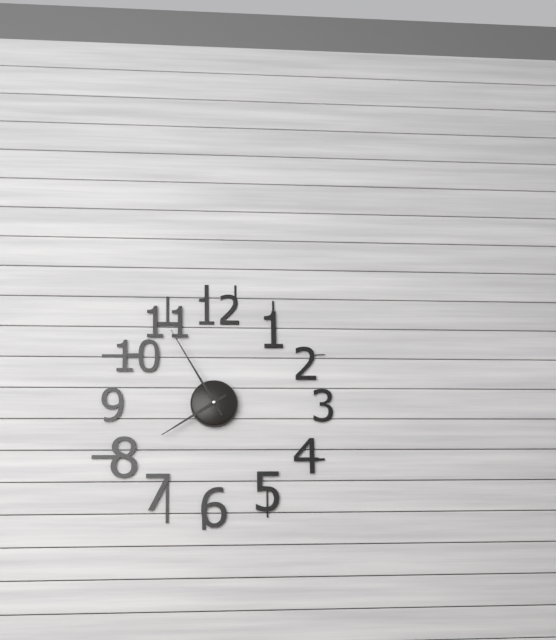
7:55
